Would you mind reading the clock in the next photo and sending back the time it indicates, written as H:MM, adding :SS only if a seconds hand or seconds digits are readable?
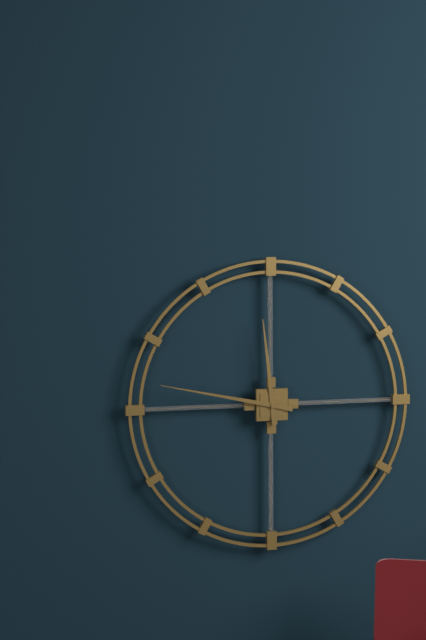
11:47
